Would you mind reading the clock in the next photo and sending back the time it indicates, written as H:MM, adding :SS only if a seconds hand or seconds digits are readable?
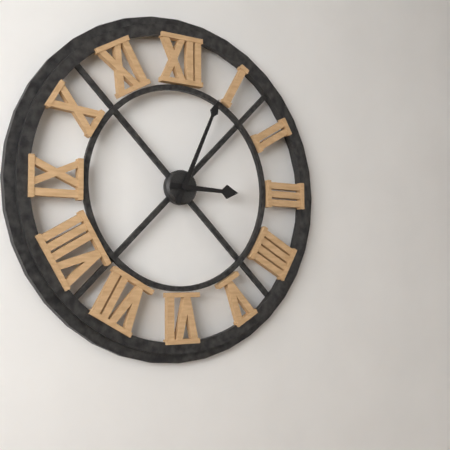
3:04
